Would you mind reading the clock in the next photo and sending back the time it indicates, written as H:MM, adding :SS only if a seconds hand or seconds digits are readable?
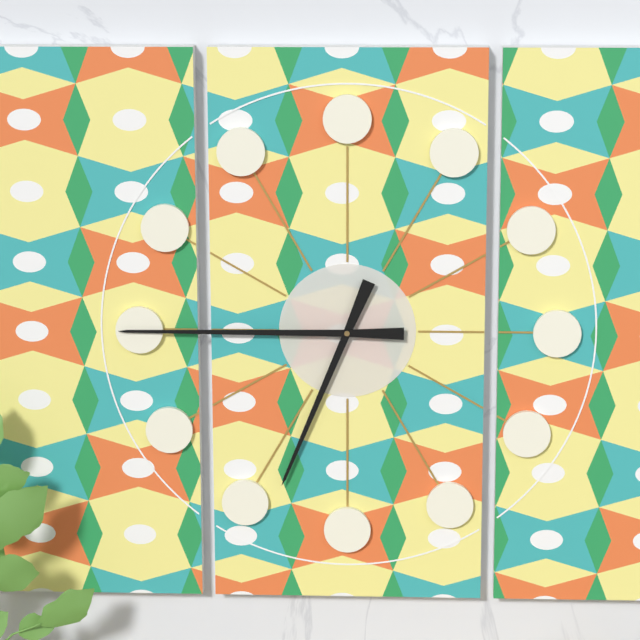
6:45
